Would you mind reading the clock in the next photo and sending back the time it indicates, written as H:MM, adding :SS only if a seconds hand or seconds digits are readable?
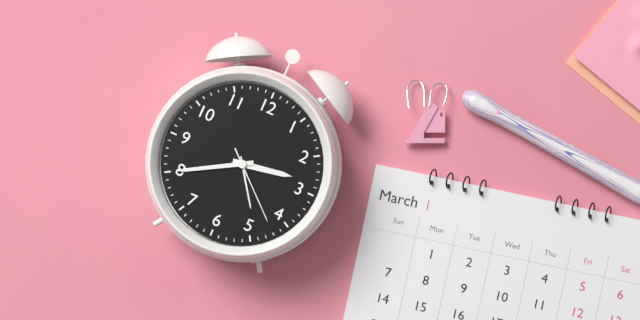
2:40:22
